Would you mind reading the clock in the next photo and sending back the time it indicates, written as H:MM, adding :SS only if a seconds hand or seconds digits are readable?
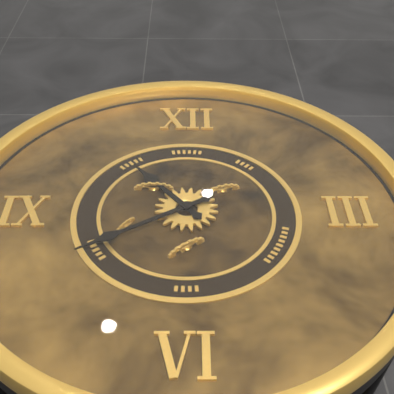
10:40
